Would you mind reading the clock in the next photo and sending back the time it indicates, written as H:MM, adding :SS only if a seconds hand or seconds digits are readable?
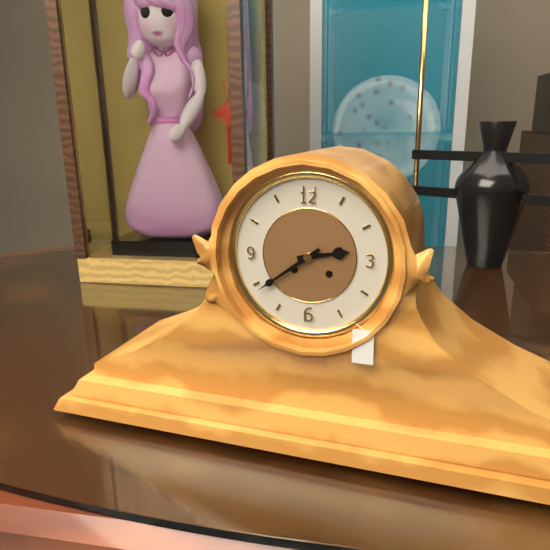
2:39
